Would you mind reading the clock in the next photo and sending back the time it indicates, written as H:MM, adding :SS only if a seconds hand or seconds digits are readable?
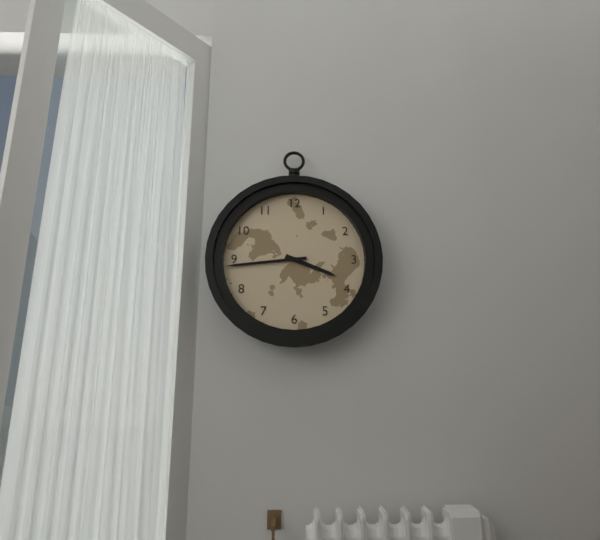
3:44
